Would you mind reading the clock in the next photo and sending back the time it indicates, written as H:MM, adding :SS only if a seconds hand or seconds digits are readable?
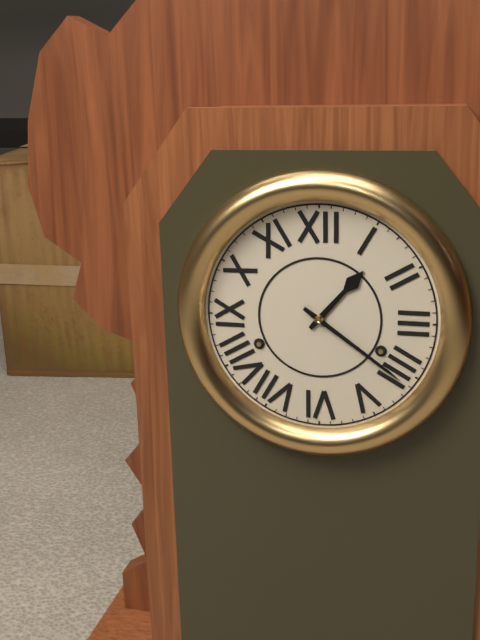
1:21
